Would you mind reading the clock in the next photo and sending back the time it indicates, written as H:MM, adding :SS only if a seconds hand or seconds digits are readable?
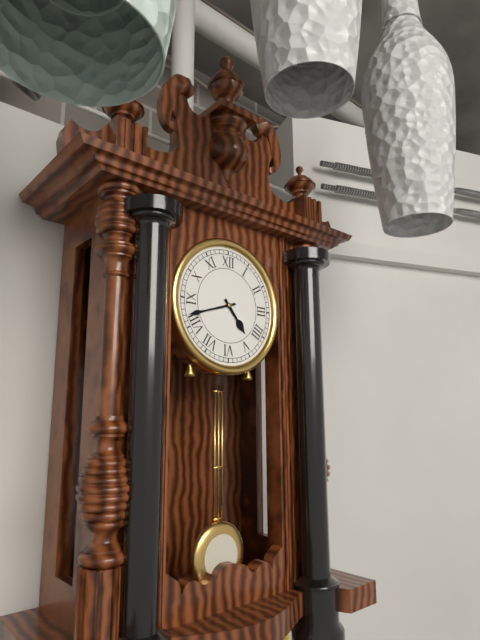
4:42
